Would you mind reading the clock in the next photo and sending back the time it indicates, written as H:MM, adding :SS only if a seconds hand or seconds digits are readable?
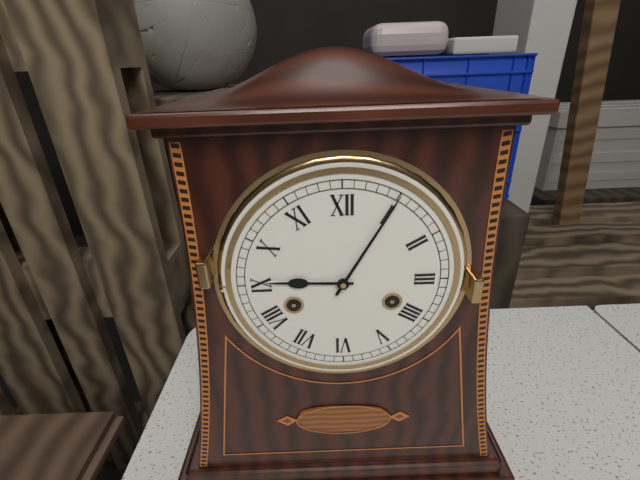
9:05
